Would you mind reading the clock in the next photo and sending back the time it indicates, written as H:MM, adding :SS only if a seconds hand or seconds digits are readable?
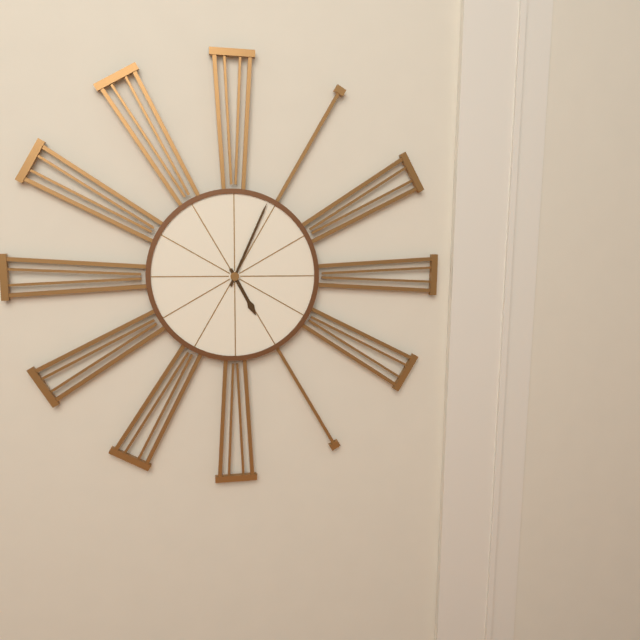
5:04
